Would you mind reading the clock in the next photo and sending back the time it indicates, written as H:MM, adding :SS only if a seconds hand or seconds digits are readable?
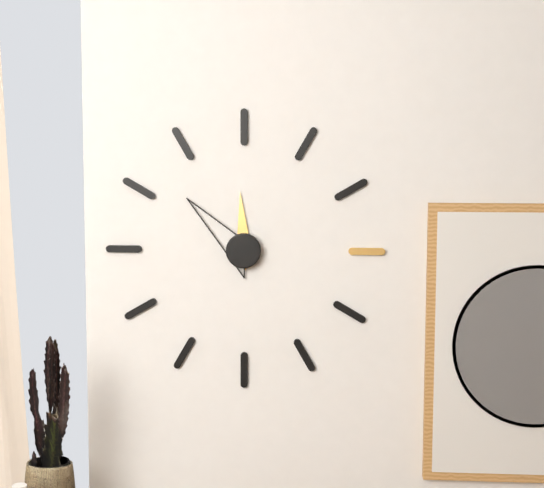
11:52
